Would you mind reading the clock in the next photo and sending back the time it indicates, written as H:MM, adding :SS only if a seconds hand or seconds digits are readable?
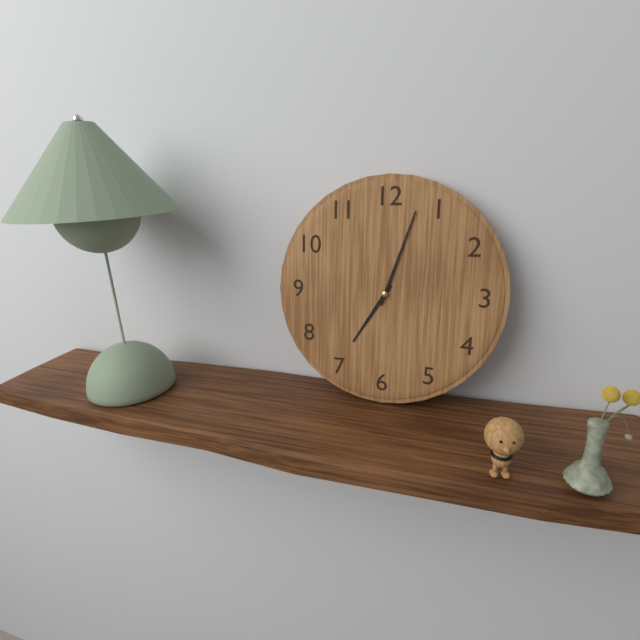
7:03
